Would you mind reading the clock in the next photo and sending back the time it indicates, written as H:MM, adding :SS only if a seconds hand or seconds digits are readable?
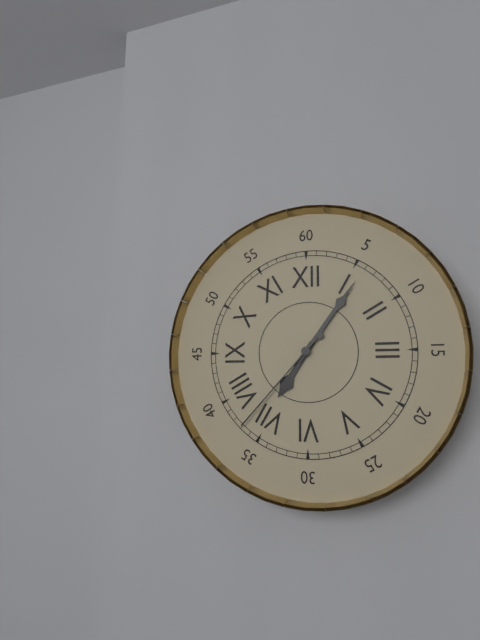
7:06:37
